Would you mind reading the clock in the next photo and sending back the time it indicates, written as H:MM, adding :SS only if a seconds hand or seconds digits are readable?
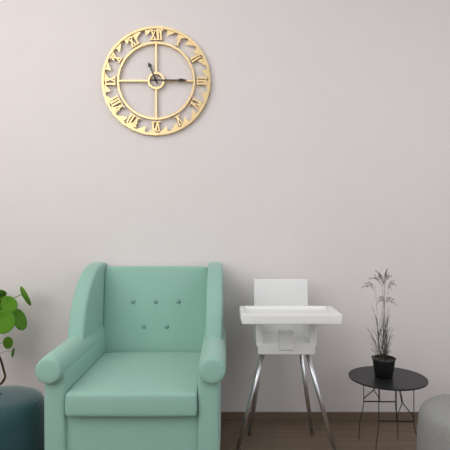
11:15
